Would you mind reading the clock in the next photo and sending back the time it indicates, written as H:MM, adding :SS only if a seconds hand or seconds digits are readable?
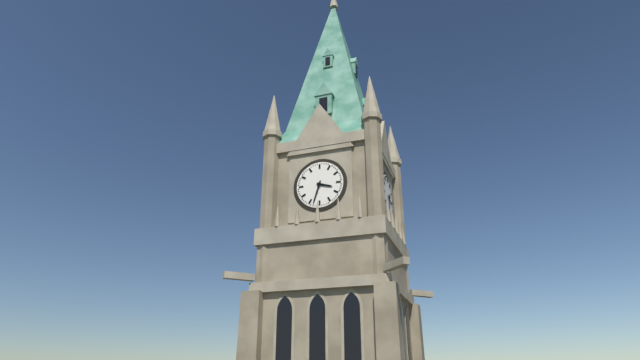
3:33
